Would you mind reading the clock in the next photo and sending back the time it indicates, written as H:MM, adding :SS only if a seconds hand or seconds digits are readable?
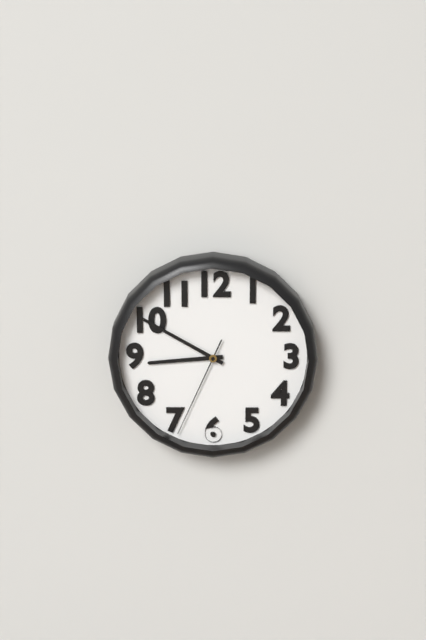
8:50:34
